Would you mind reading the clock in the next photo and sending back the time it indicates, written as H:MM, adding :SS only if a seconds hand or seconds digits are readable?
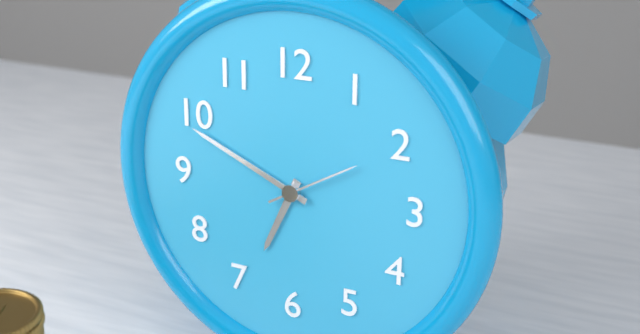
6:49:10
